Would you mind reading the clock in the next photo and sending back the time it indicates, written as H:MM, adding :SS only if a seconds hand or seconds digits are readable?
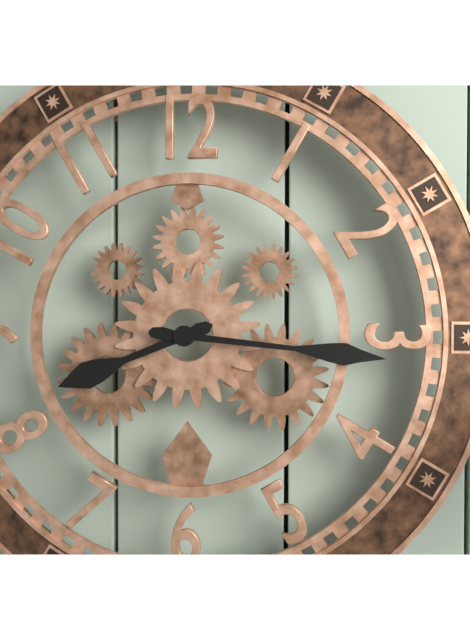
8:16
